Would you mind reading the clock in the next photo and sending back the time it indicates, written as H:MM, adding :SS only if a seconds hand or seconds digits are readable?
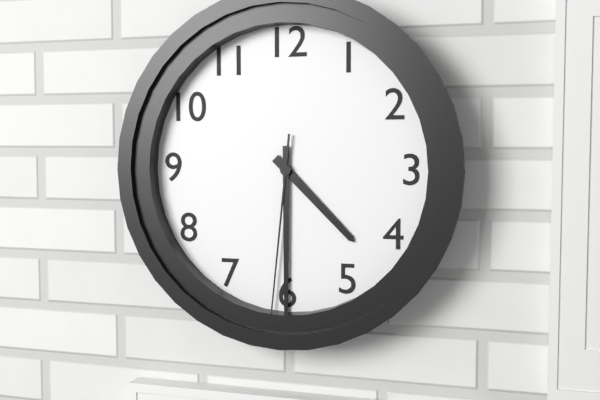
4:30:31
